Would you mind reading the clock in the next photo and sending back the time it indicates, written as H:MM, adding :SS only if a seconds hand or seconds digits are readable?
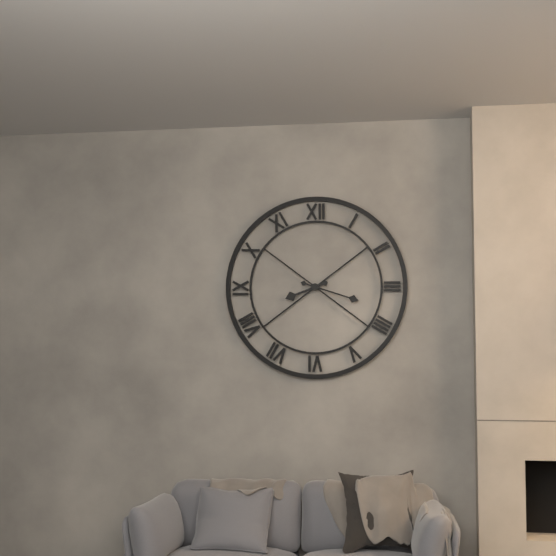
8:18
